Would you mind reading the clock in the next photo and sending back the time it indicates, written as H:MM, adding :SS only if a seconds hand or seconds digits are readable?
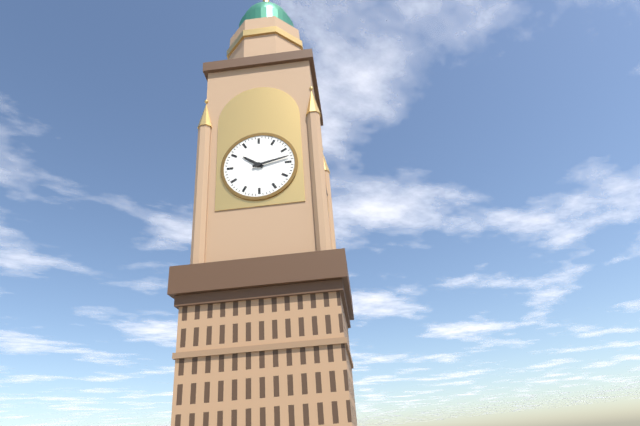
10:13
